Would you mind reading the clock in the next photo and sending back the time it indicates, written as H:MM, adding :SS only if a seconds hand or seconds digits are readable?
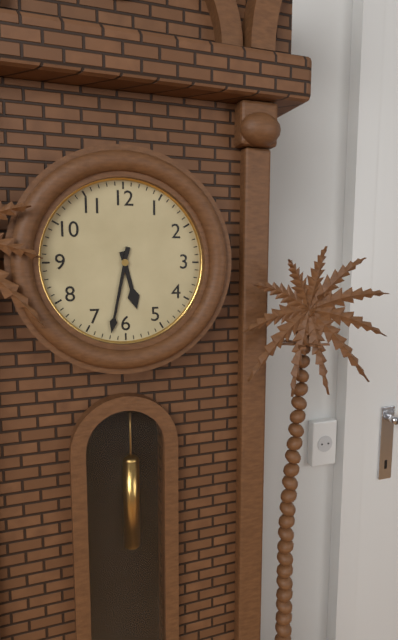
5:32
